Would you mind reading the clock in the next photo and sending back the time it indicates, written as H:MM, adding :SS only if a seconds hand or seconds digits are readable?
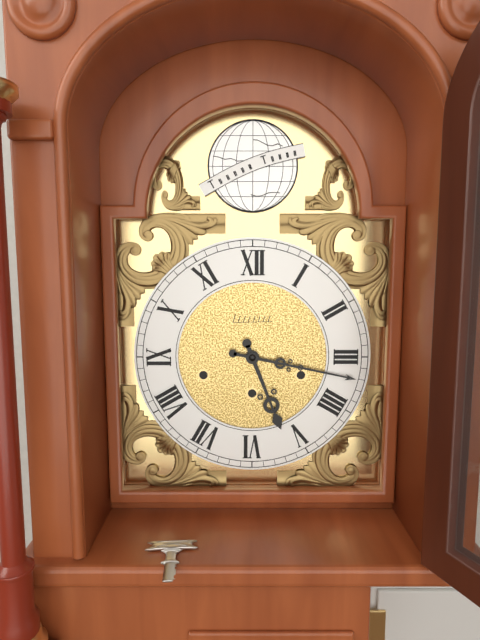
5:17
